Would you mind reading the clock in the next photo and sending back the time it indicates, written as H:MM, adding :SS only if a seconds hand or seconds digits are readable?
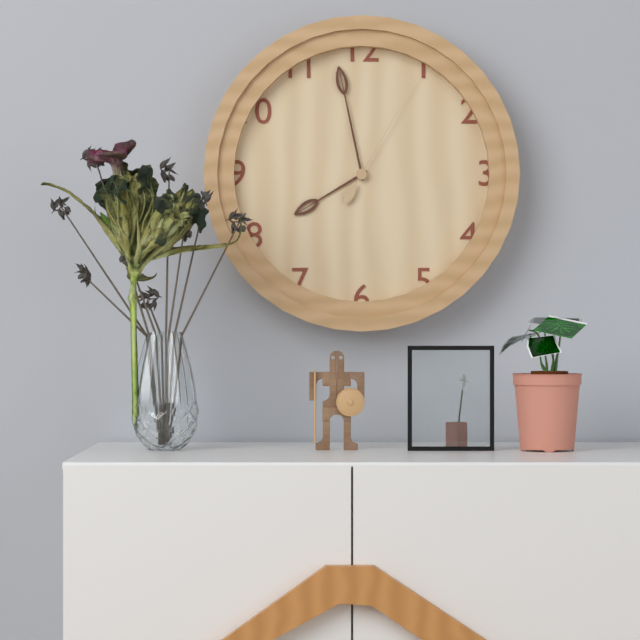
7:58:05
